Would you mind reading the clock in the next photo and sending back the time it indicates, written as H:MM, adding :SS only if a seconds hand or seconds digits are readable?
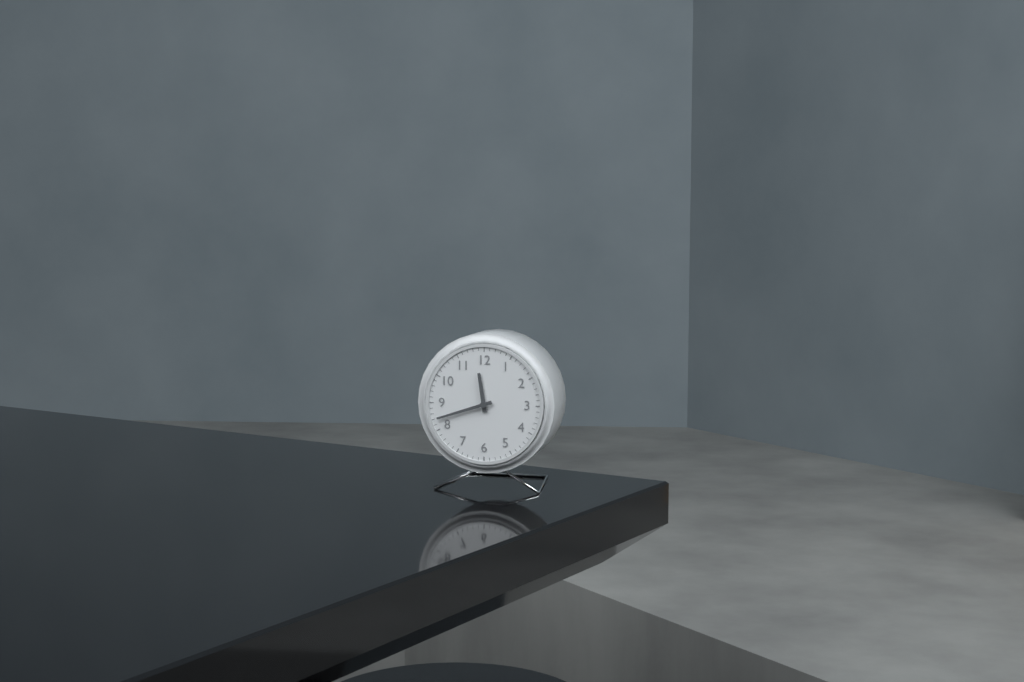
11:42
